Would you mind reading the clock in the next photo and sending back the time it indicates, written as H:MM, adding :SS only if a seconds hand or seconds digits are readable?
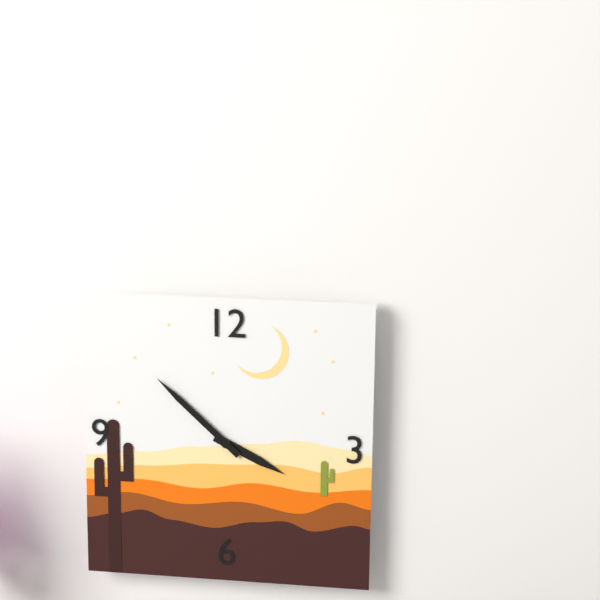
3:52
